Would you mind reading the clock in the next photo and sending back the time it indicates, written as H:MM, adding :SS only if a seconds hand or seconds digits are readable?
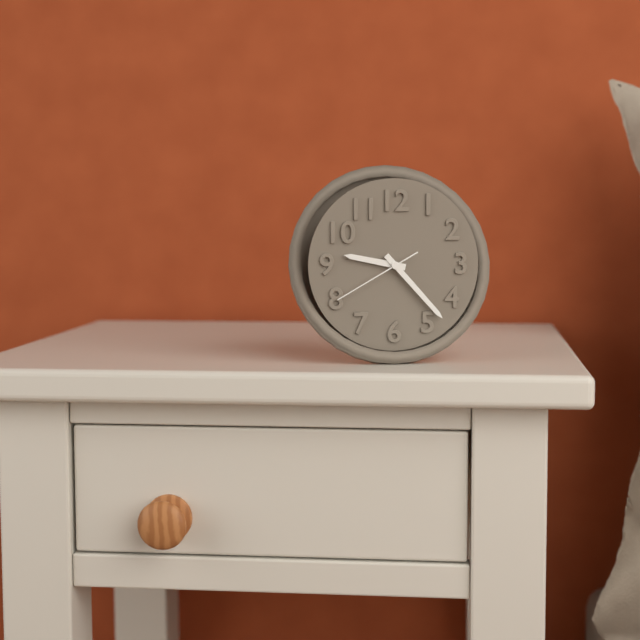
9:23:40
